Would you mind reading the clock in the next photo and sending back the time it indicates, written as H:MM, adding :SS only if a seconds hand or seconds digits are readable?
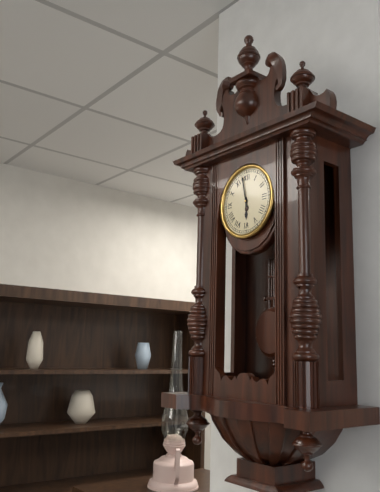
5:58
